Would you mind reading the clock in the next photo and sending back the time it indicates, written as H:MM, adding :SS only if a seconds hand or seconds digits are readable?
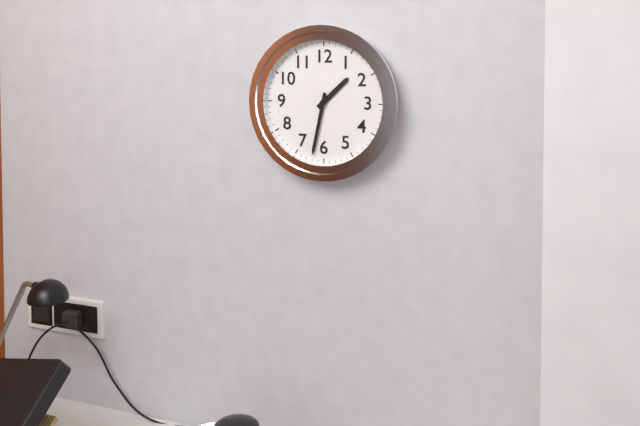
1:32
